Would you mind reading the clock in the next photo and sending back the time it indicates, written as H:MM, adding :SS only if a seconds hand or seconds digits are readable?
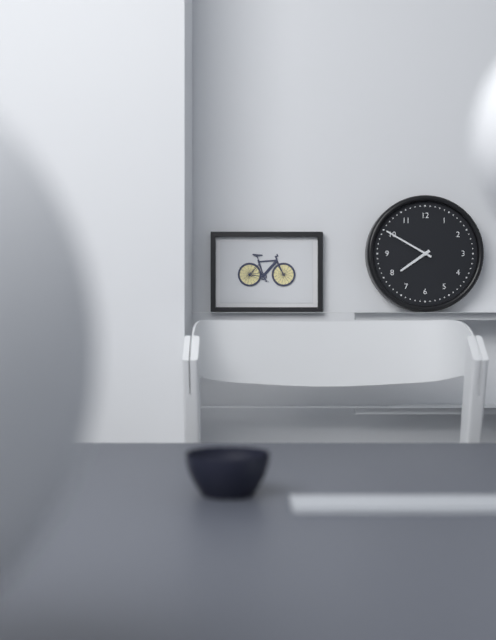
7:50
